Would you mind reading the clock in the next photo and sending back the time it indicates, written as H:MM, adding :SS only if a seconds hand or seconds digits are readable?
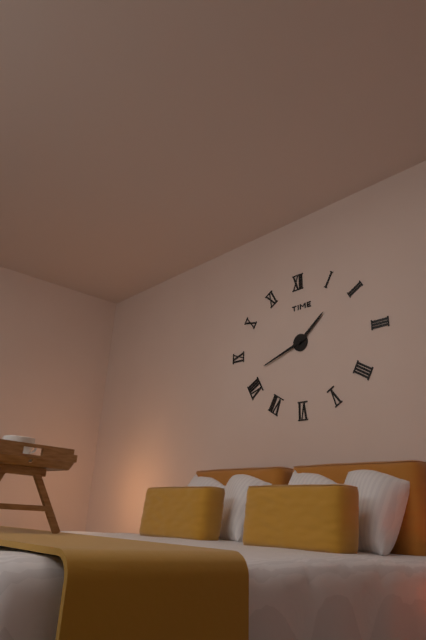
1:42
